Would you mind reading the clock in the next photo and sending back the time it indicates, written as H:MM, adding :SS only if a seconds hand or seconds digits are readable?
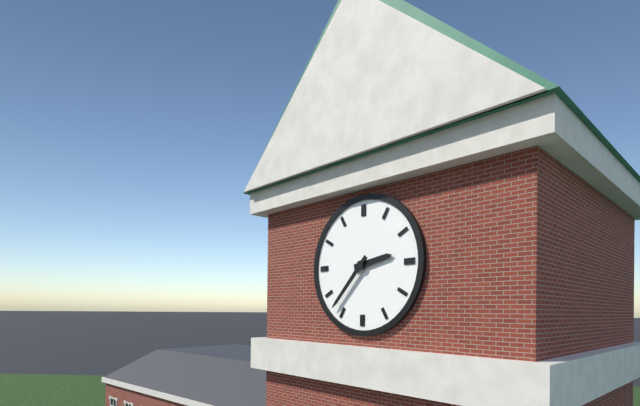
2:37
